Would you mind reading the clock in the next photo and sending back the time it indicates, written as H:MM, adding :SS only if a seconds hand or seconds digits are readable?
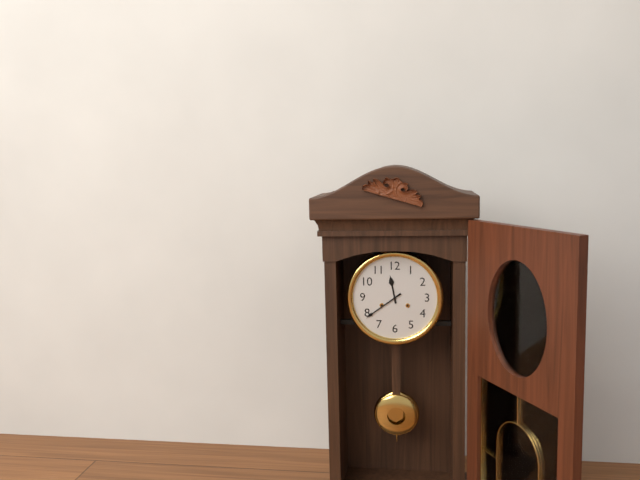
11:39
